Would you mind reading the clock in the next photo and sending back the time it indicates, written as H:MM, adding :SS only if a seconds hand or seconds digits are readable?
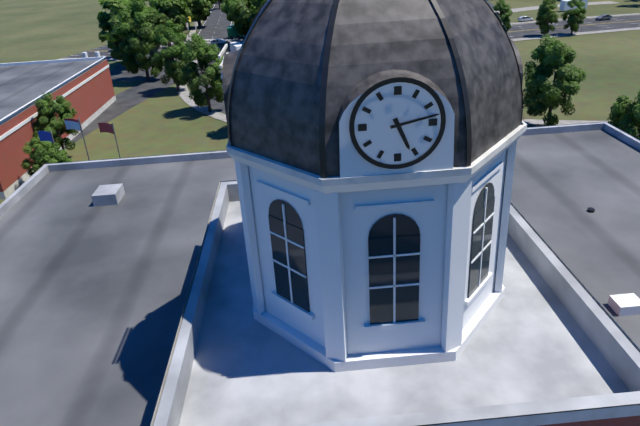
5:13
